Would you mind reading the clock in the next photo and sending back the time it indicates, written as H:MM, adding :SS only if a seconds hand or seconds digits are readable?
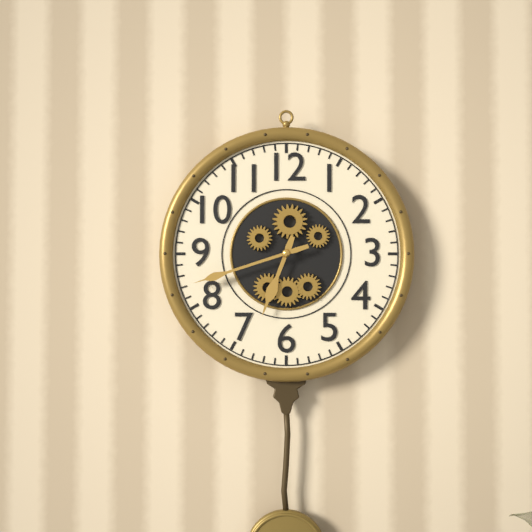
6:42
